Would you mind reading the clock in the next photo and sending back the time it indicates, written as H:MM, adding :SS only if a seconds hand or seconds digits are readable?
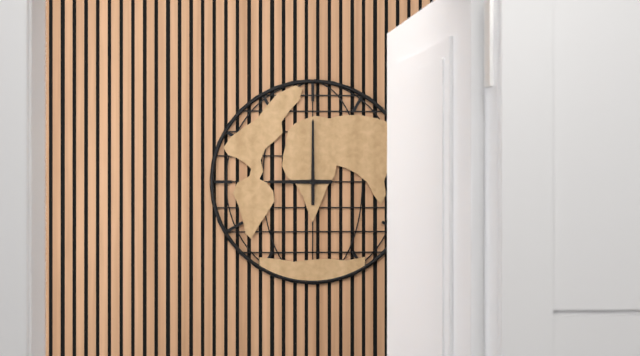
9:00
